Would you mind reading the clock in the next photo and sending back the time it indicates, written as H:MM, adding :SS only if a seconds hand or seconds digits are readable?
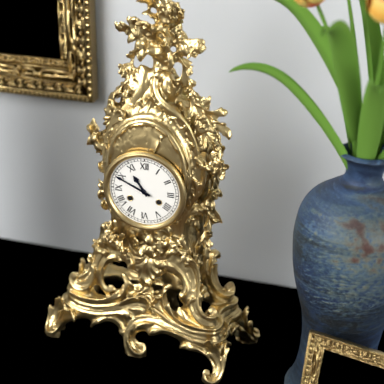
10:49
